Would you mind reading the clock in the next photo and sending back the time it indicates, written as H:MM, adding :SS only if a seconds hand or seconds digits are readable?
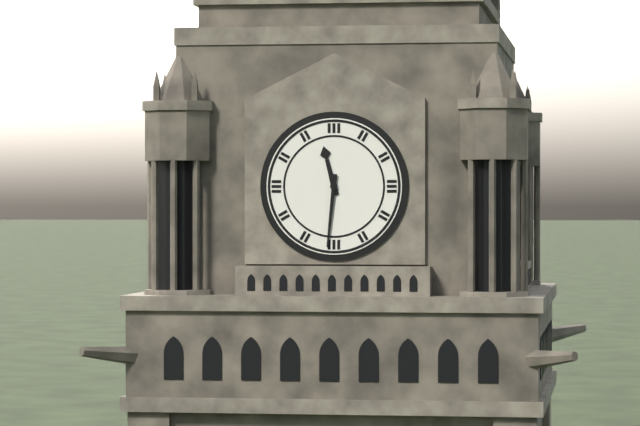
11:31
